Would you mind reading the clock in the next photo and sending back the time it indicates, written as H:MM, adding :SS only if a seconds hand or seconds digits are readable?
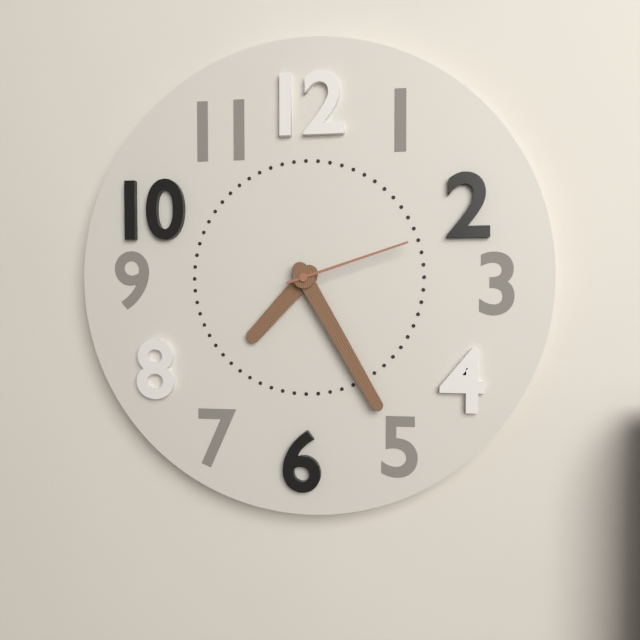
7:25:12
